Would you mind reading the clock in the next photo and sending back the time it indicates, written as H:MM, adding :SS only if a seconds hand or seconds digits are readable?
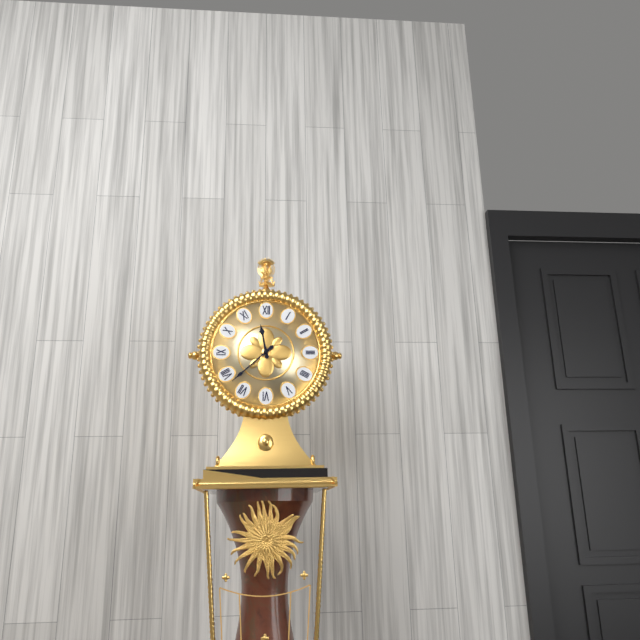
11:38
